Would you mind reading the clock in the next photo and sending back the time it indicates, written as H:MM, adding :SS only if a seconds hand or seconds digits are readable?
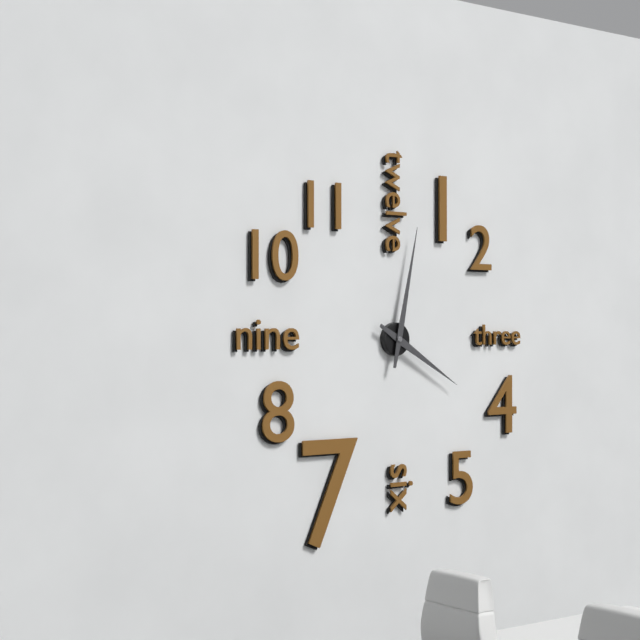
4:02
